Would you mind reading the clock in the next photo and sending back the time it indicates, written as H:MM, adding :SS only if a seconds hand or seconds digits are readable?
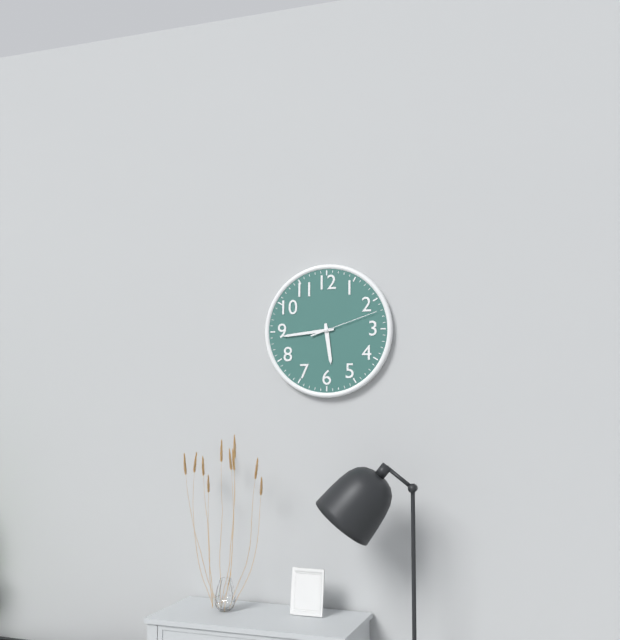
5:44:12
